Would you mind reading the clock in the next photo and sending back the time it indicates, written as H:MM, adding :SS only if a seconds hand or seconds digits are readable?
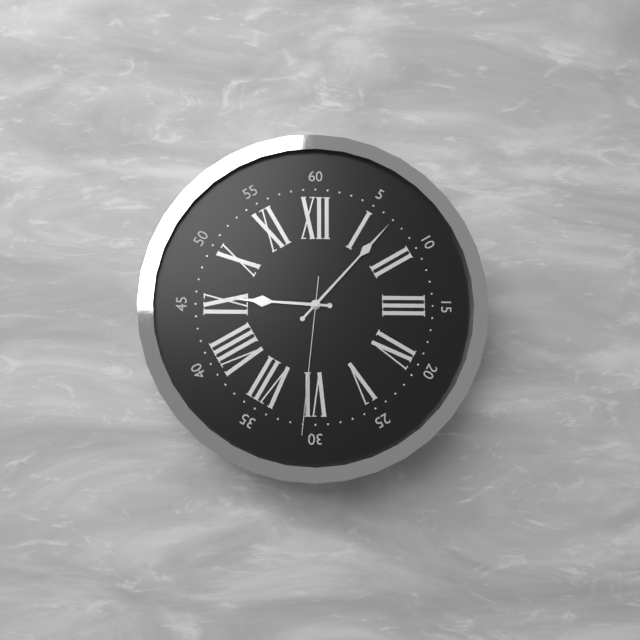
9:07:31
